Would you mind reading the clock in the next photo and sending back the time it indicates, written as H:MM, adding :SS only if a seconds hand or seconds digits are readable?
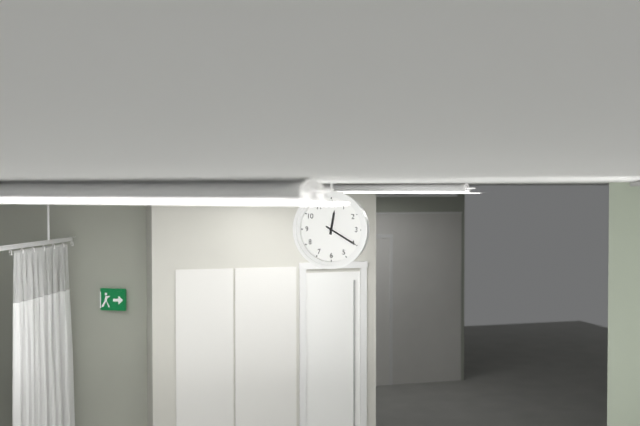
12:20
